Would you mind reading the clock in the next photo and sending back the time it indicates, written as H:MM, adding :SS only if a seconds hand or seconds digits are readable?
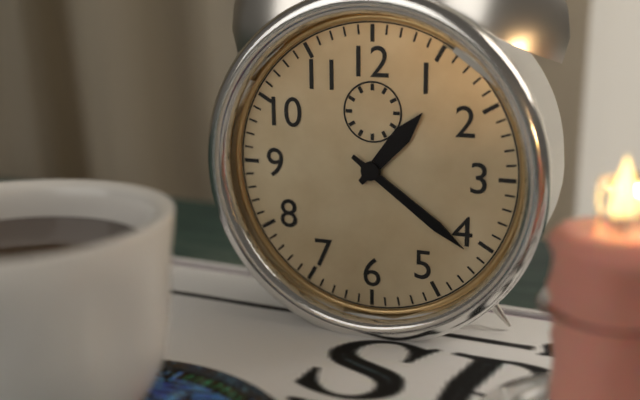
1:21
